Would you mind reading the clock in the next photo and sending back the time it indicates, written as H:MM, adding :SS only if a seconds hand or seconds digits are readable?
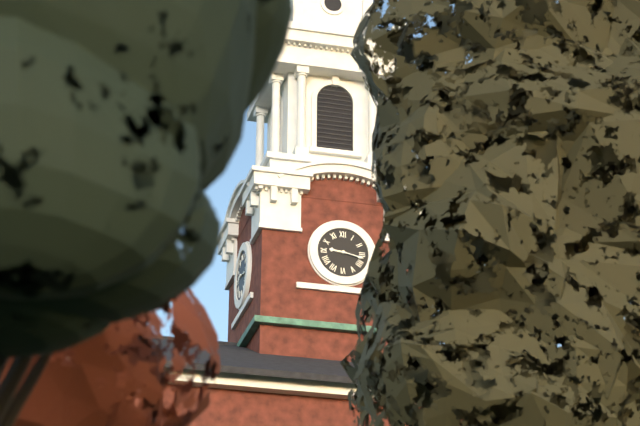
9:17
